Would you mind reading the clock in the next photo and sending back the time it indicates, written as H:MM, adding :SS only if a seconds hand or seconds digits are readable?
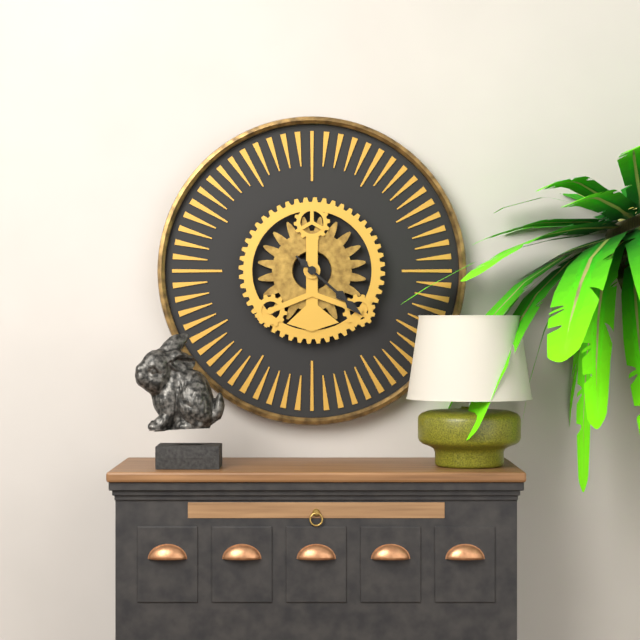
4:22
